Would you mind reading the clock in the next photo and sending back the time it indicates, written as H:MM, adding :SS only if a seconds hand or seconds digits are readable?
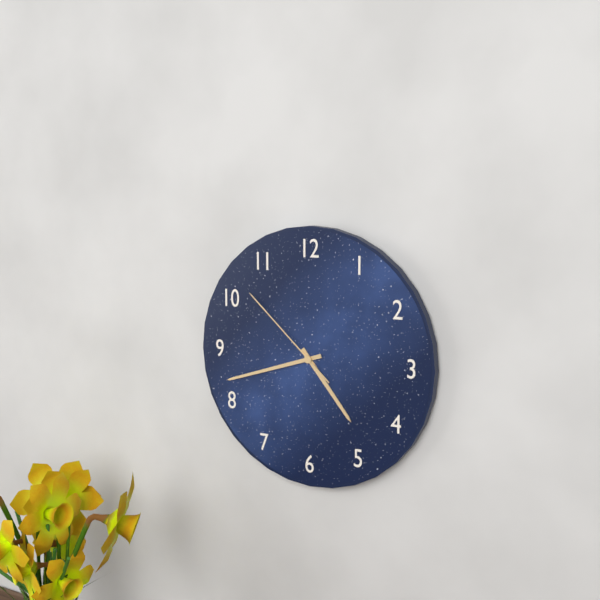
4:42:52
